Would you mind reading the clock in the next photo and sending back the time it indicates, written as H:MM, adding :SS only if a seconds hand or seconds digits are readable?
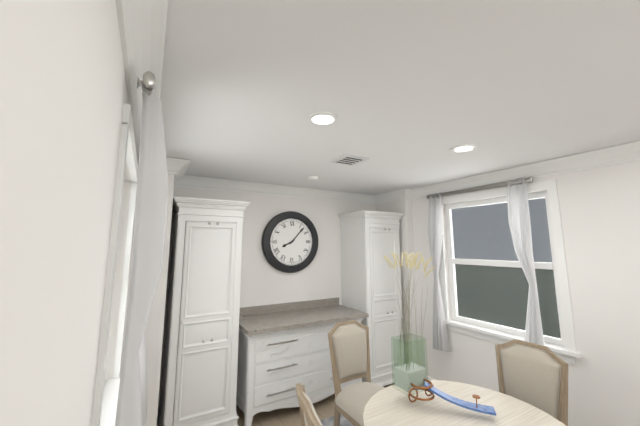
8:07
